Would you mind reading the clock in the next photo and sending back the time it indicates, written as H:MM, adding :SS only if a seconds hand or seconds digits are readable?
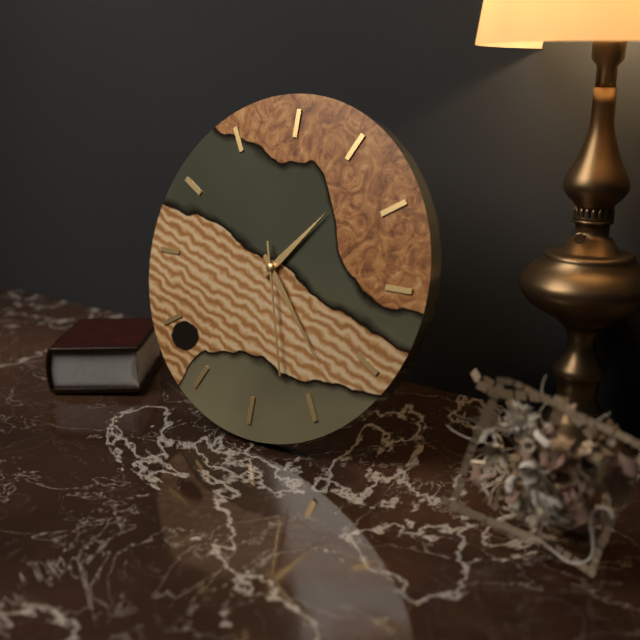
1:23:27
